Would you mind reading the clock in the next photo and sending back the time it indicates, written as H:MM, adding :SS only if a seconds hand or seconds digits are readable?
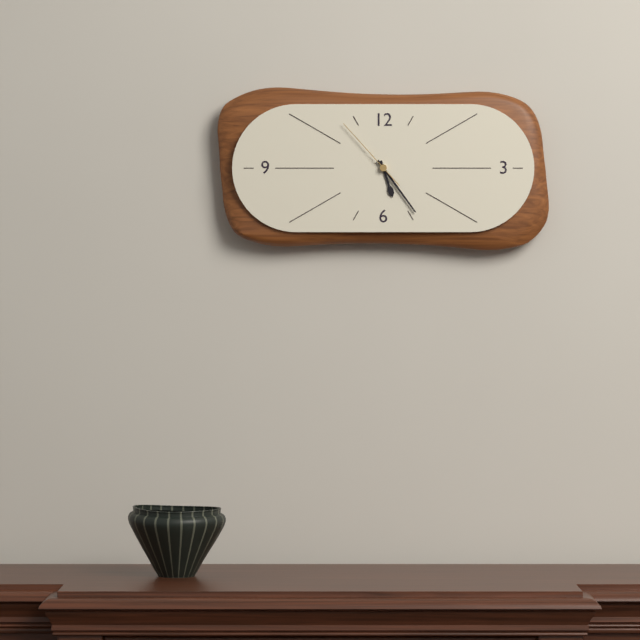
5:24:53
